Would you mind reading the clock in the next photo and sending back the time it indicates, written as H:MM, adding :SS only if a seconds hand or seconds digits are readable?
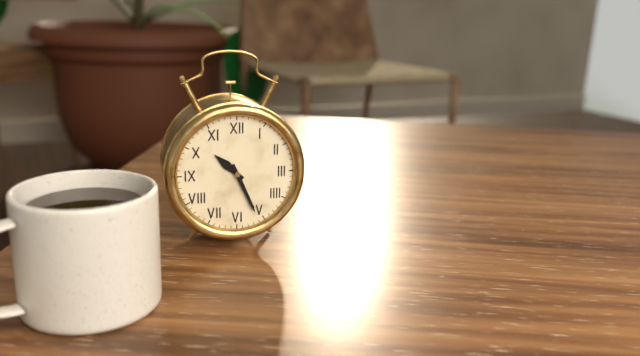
10:26
